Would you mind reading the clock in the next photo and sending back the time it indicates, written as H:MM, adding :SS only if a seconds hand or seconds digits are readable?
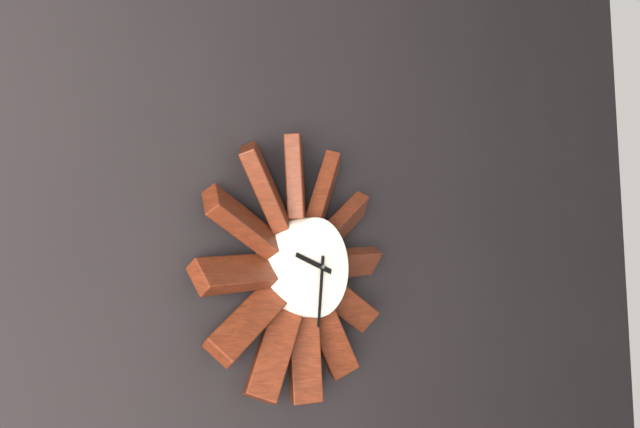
9:31
